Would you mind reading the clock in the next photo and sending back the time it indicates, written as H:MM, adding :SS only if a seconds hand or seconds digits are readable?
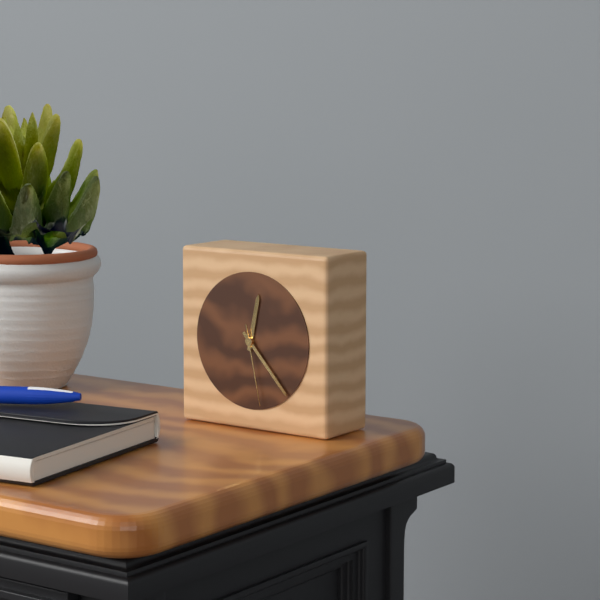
12:23:28
